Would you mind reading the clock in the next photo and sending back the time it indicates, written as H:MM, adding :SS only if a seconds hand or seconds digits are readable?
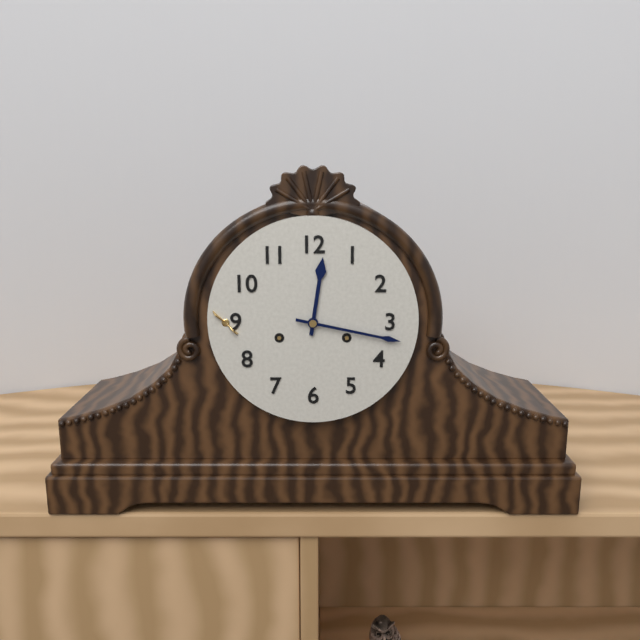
12:17
